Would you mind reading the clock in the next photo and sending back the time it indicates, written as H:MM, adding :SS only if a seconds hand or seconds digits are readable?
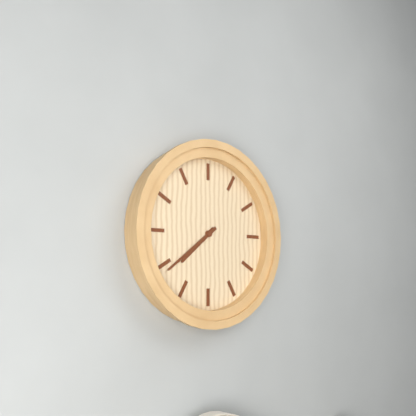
7:39
